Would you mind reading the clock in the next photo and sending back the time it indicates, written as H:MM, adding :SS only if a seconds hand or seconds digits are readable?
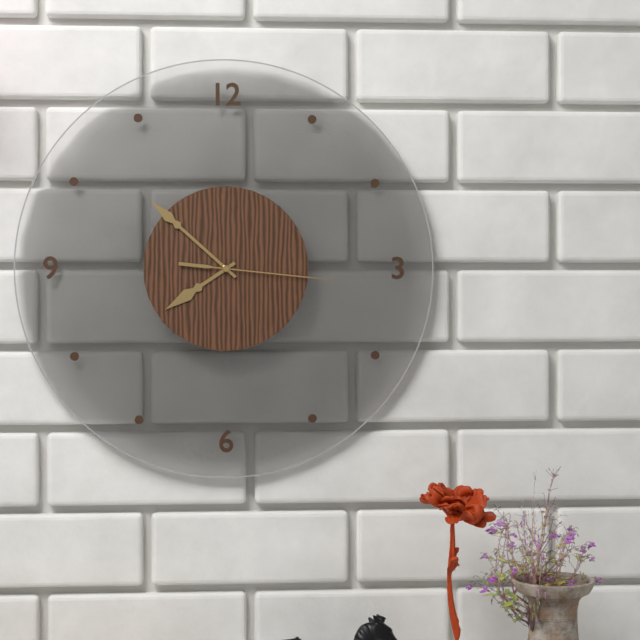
7:52:16
